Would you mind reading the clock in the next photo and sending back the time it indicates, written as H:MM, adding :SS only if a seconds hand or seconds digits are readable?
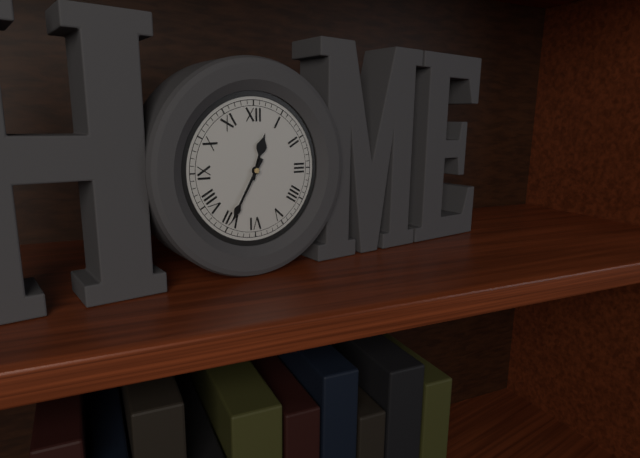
12:35
